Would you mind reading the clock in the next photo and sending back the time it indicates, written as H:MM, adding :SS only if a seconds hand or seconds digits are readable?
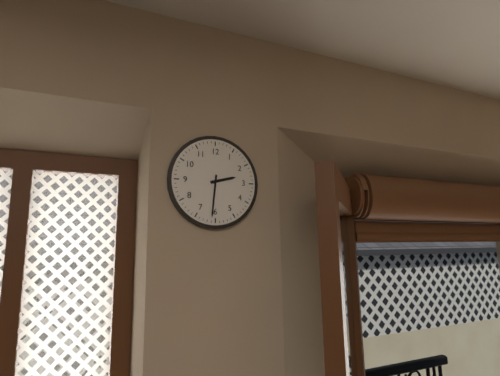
2:31
